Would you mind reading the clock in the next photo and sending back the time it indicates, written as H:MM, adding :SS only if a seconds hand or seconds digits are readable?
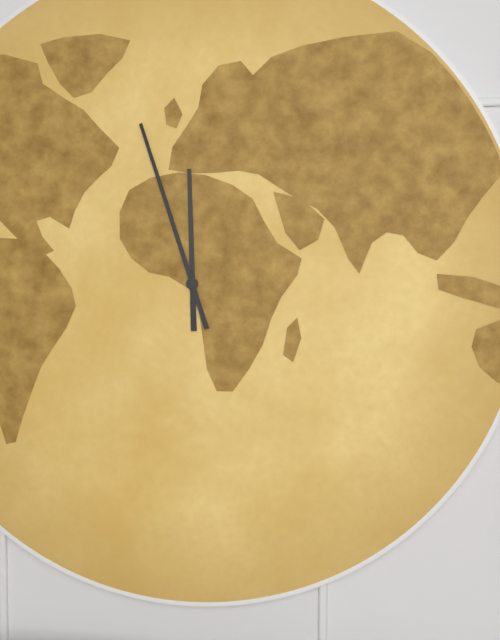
11:57
